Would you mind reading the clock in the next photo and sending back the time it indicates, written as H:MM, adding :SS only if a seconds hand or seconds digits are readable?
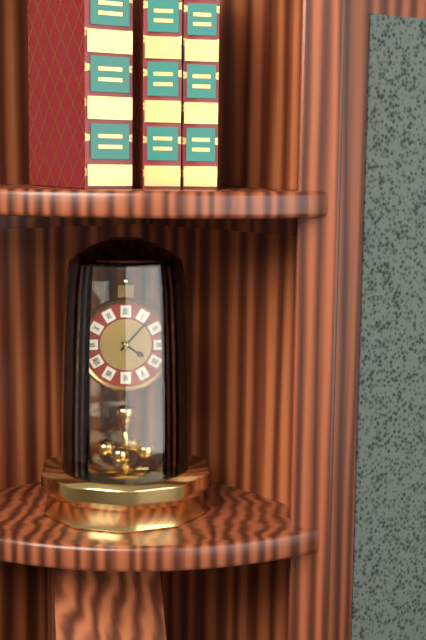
4:07
